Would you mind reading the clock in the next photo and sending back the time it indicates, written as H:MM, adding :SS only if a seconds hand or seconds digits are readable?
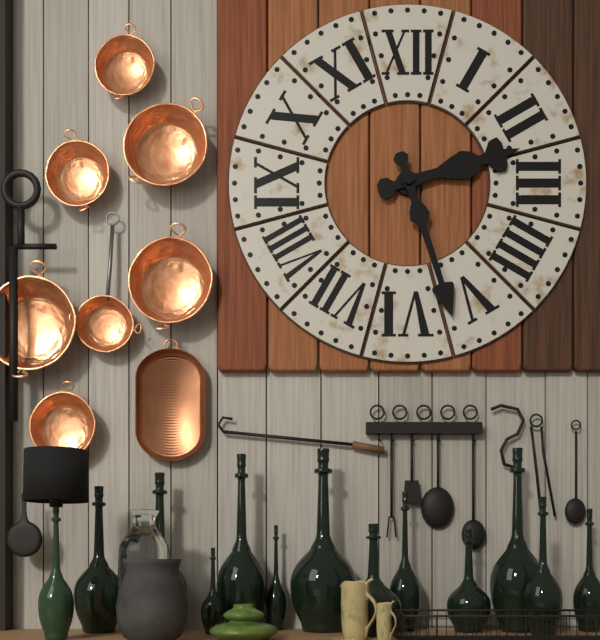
2:27
